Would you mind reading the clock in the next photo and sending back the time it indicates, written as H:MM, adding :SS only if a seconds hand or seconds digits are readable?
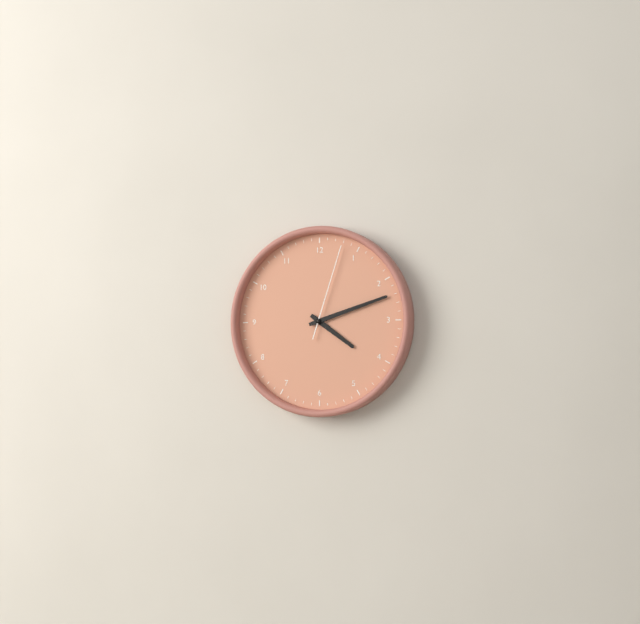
4:12:03
